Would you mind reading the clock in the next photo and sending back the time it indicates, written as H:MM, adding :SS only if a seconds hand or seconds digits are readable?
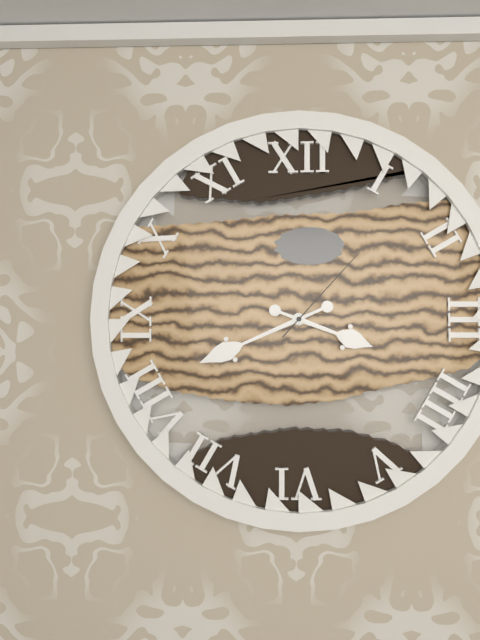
3:41:07
